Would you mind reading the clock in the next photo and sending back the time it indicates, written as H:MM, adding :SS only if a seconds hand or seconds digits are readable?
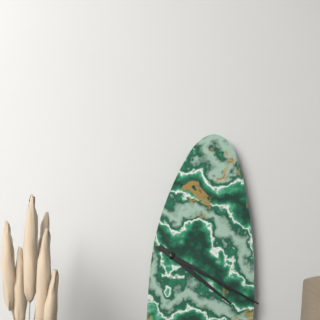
4:20
